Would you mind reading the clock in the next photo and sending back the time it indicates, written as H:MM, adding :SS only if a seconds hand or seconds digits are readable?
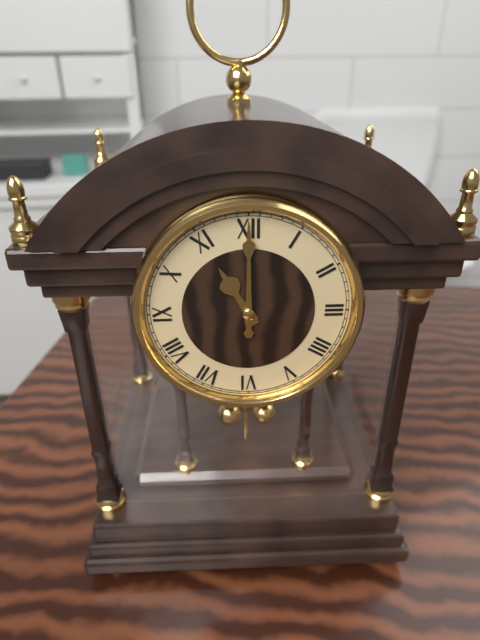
11:00
